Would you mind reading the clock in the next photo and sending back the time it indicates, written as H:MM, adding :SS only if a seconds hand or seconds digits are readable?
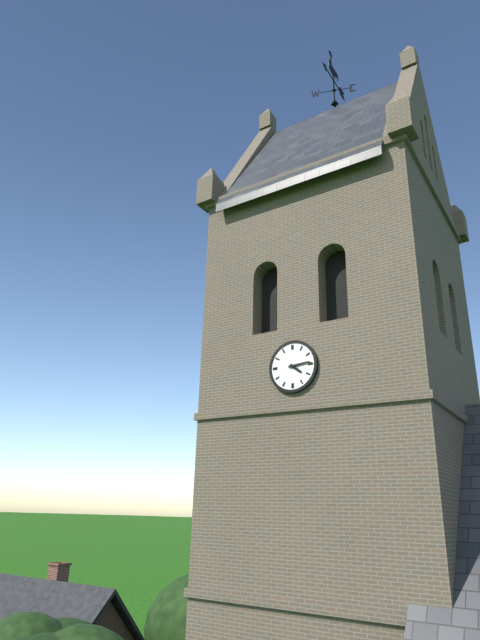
4:14
